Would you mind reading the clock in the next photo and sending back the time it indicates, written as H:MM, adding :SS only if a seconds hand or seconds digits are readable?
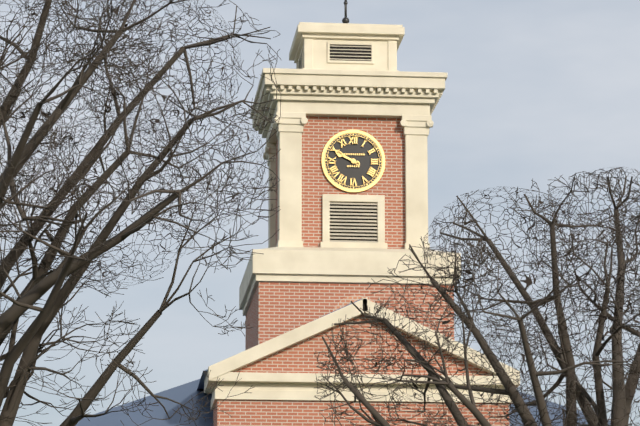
9:50
